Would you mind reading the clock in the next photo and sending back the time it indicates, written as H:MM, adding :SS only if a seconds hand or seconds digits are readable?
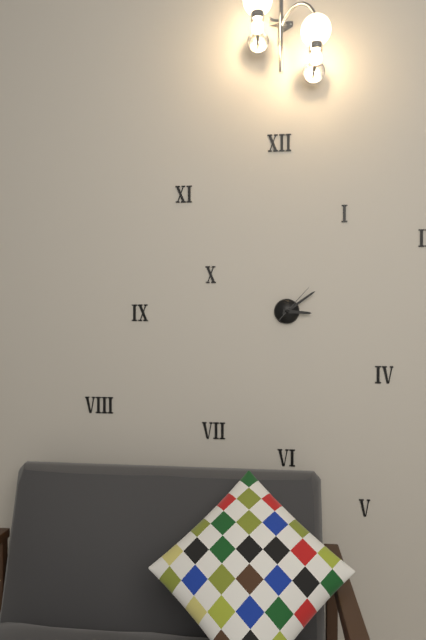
3:09
